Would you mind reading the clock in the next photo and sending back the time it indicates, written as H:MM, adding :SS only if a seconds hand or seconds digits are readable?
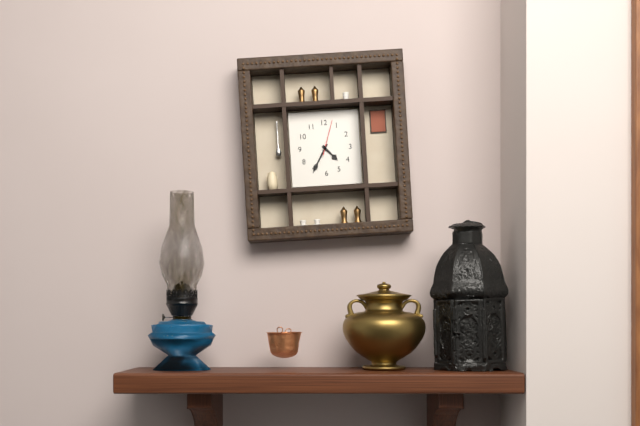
4:35
